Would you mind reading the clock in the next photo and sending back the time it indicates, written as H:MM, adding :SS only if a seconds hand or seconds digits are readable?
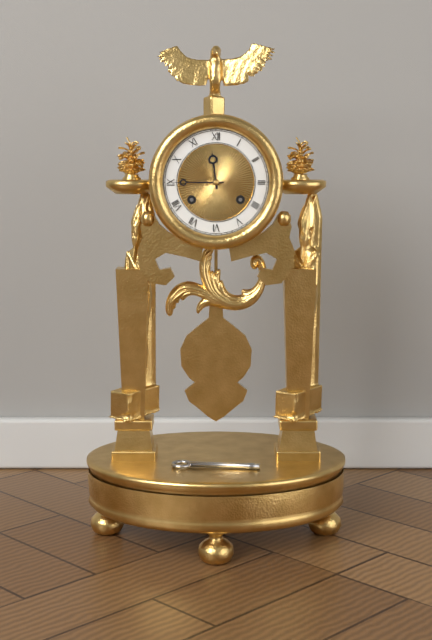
11:45
